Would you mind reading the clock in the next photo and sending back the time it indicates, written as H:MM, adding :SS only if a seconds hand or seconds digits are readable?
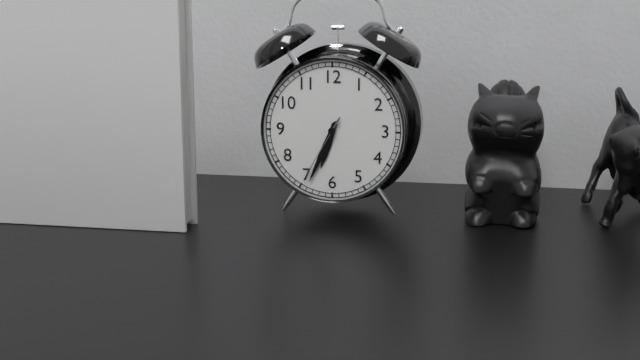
6:34:35
